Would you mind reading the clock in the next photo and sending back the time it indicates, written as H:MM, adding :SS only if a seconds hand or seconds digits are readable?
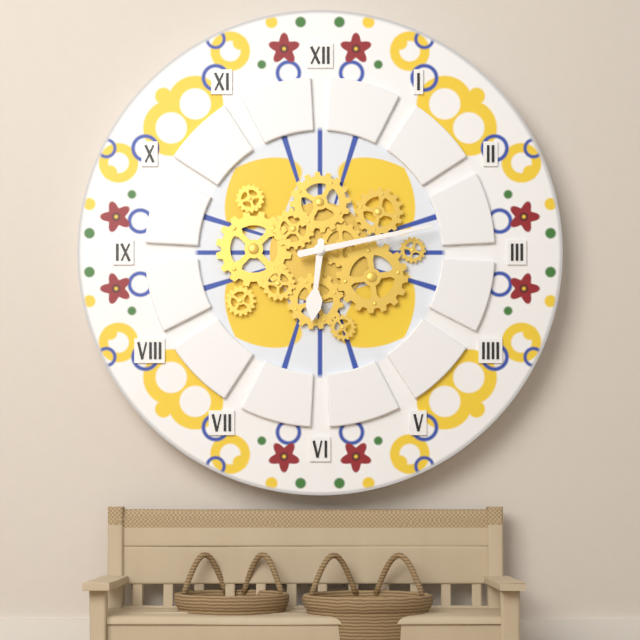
6:13
